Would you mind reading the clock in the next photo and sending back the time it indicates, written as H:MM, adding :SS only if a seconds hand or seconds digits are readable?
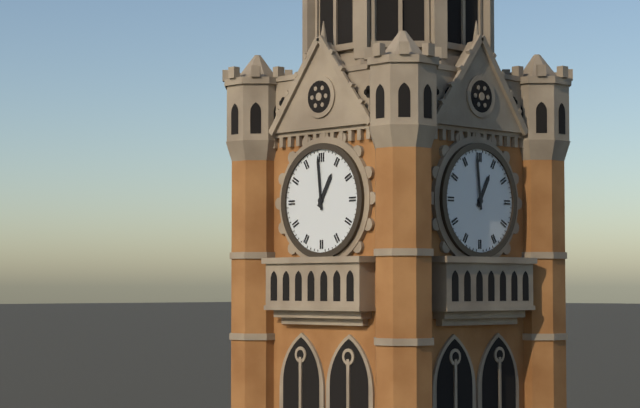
12:59
